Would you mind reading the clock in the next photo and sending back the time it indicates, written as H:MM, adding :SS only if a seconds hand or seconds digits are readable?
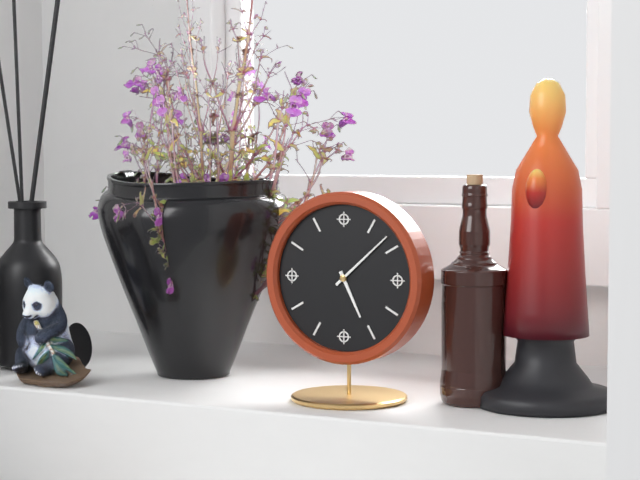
5:08
